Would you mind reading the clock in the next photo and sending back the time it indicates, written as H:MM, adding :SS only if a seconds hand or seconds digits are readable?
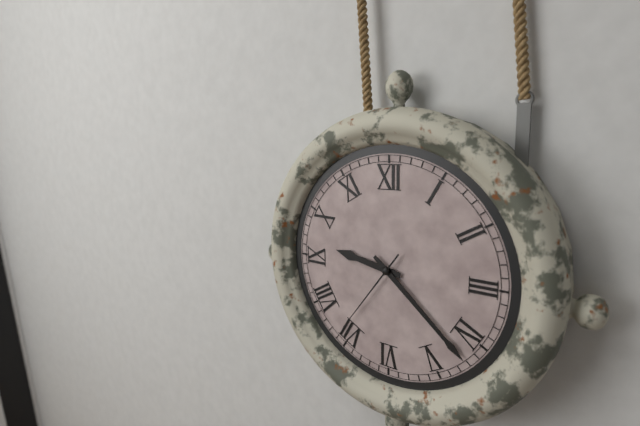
9:22:36
